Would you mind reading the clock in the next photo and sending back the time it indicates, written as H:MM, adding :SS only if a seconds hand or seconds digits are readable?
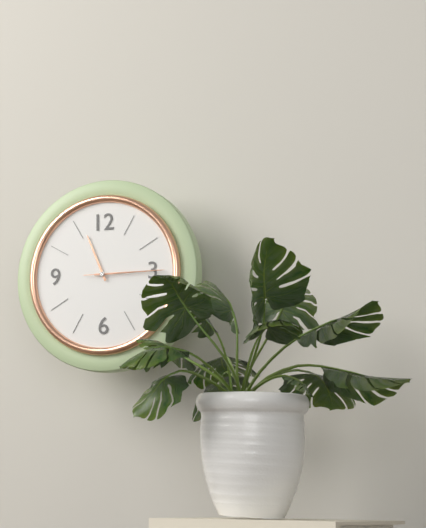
11:15:15
